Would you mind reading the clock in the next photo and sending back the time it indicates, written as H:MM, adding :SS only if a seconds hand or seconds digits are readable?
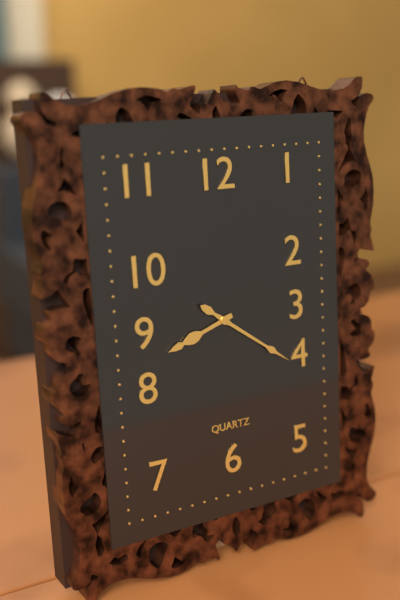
8:21
